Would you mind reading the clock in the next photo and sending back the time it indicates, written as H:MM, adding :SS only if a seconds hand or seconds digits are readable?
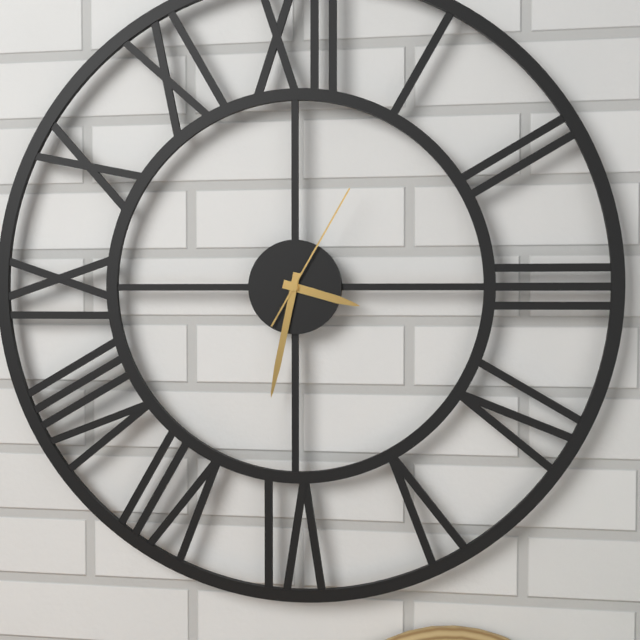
3:32:05
